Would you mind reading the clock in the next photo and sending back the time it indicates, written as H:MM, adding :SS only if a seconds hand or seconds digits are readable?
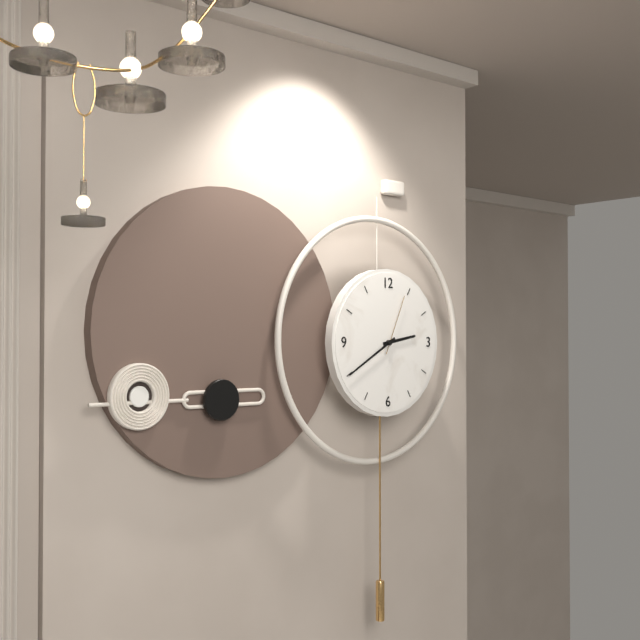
2:40:04
